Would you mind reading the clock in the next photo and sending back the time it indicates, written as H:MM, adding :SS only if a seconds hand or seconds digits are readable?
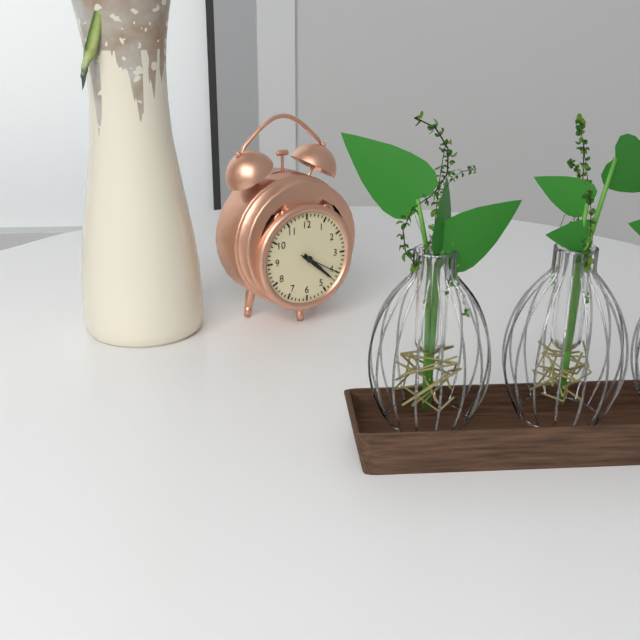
4:22
